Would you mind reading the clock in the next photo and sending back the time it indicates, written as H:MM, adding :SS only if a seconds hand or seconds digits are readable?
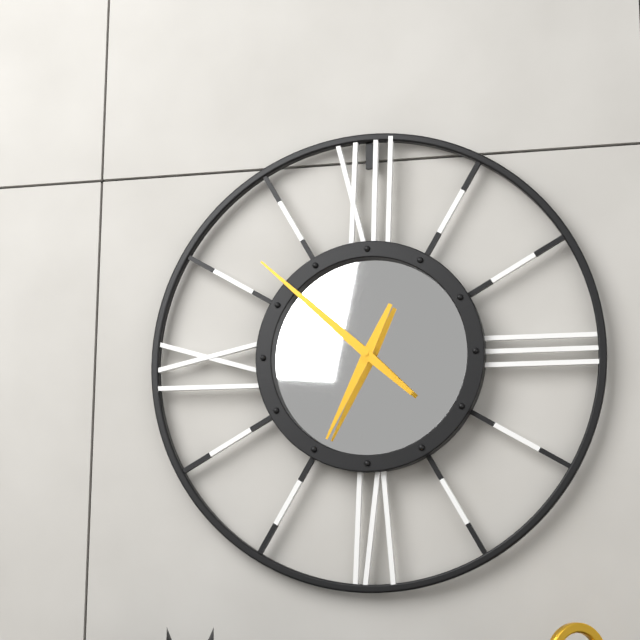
6:52
